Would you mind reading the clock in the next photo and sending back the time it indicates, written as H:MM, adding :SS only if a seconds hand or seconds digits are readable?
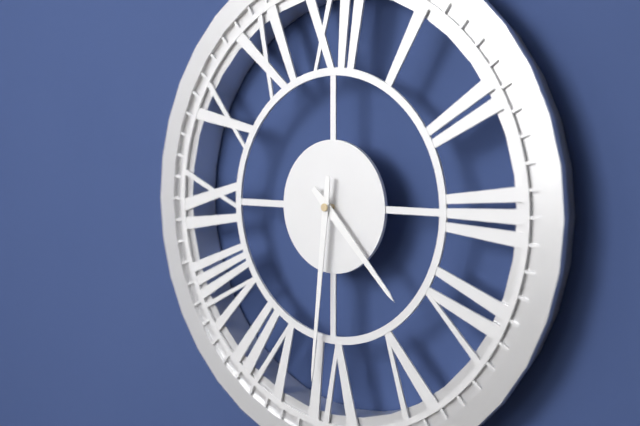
4:31
